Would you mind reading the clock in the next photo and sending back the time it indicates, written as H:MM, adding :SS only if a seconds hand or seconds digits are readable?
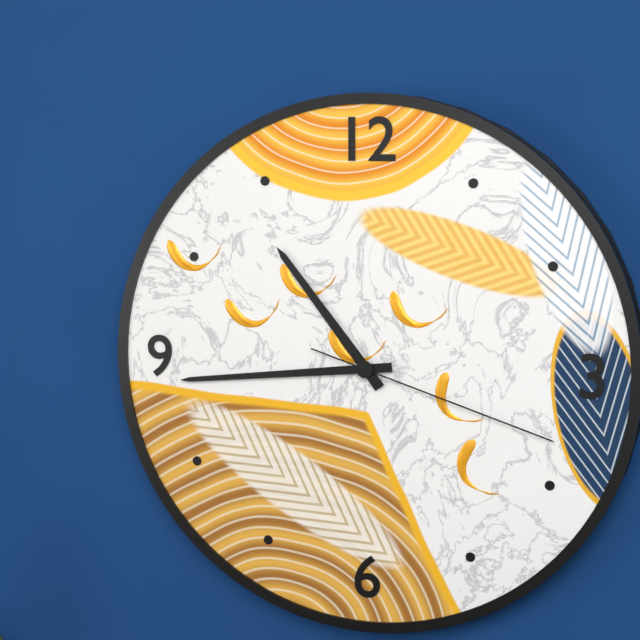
10:44:18
